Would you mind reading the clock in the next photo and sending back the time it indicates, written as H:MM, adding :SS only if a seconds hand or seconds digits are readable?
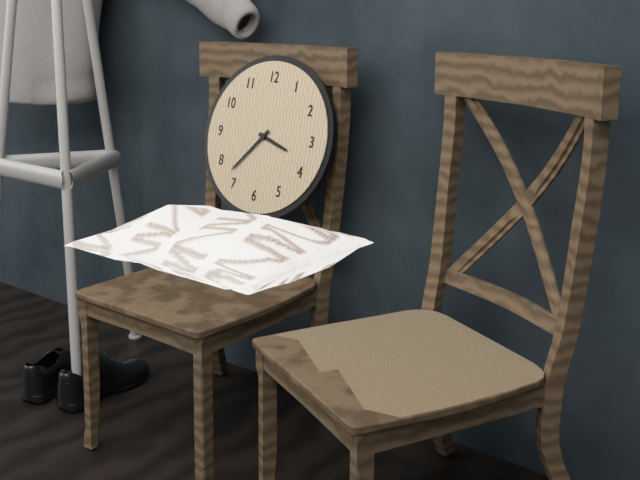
3:37
